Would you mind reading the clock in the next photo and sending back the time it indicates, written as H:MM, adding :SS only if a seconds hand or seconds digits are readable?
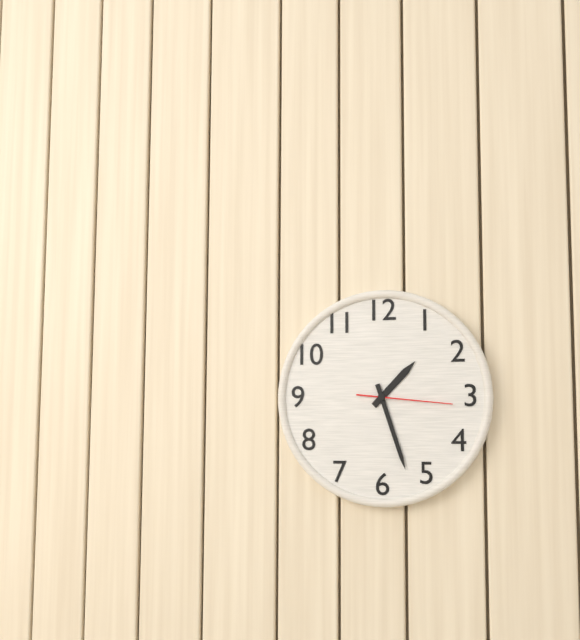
1:27:16
